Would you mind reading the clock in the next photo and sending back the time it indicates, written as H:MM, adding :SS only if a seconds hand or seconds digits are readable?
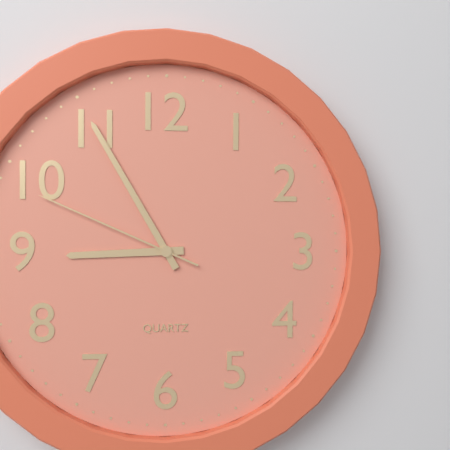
8:55:49
